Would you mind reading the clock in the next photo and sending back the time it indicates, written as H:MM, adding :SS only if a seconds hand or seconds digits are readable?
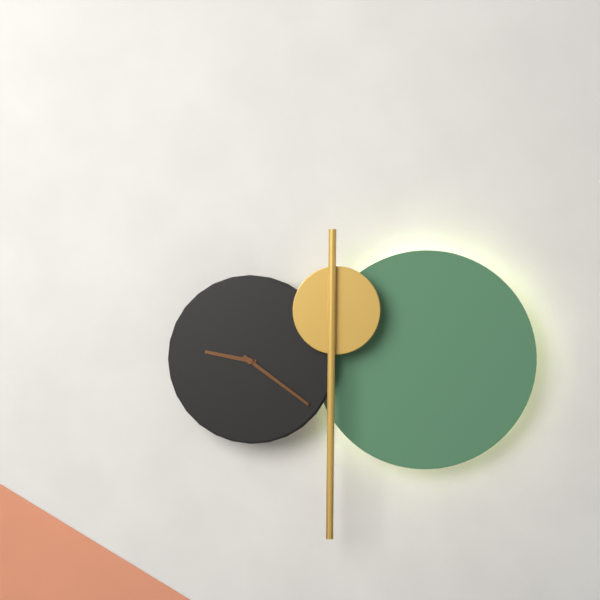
9:21
